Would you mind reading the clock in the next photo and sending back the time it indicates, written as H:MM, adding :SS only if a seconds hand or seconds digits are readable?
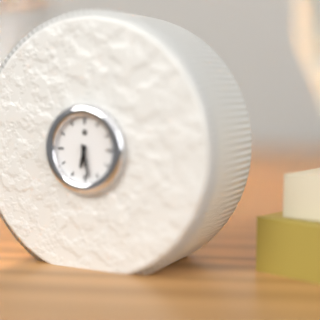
6:28
